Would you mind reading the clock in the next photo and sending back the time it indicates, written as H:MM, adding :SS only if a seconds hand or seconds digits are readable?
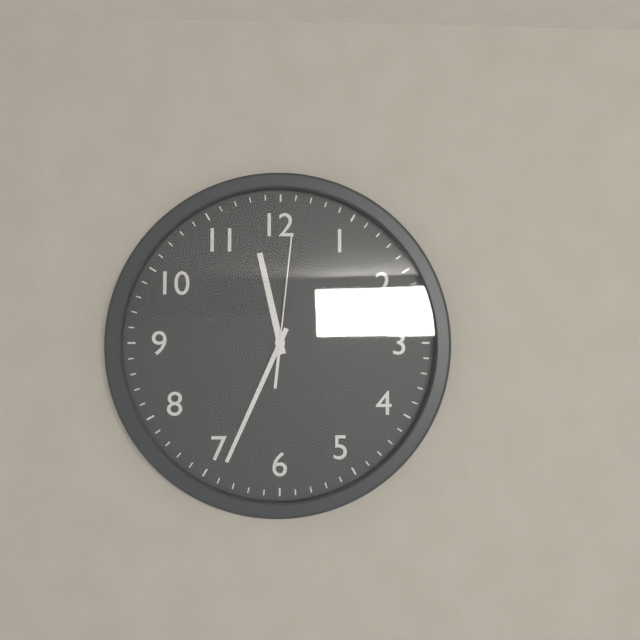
11:34:01
